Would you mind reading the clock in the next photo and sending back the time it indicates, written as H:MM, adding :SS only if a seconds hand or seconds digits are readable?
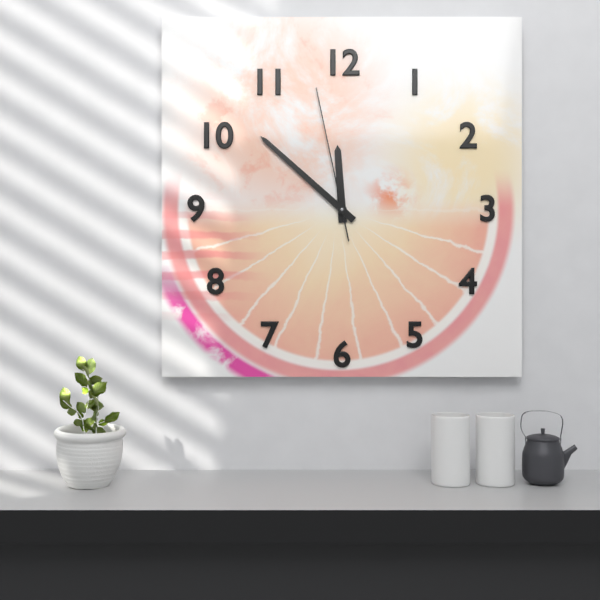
11:52:58
